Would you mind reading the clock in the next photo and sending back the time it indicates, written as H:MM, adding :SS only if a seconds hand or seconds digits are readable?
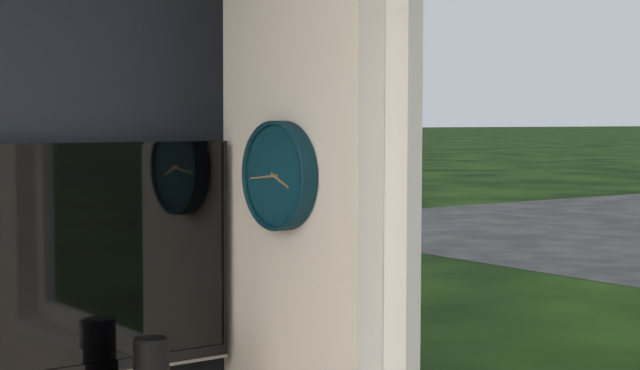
3:44
